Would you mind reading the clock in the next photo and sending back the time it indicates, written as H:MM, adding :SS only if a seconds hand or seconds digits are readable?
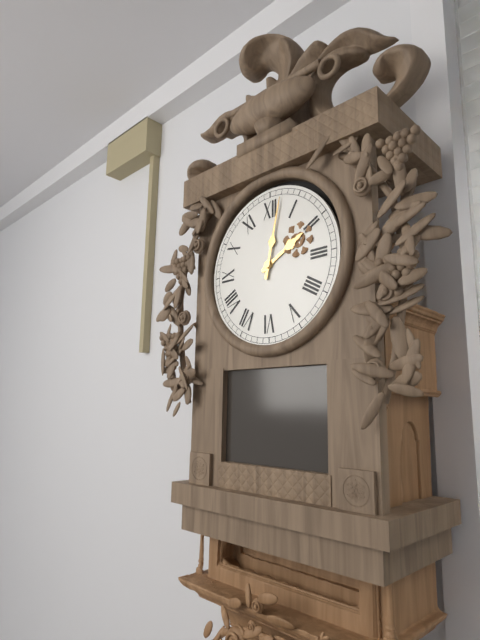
2:02
